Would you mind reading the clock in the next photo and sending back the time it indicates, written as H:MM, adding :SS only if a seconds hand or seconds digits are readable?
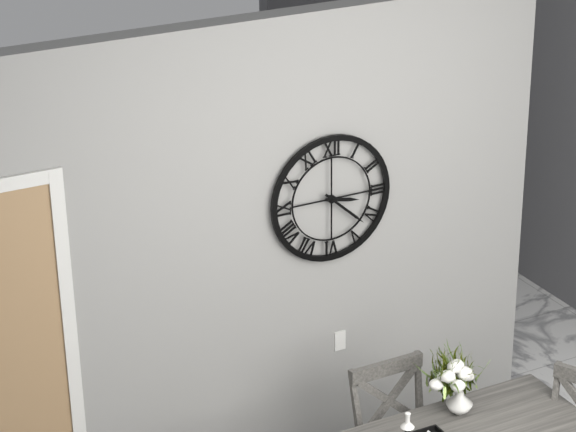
3:22
